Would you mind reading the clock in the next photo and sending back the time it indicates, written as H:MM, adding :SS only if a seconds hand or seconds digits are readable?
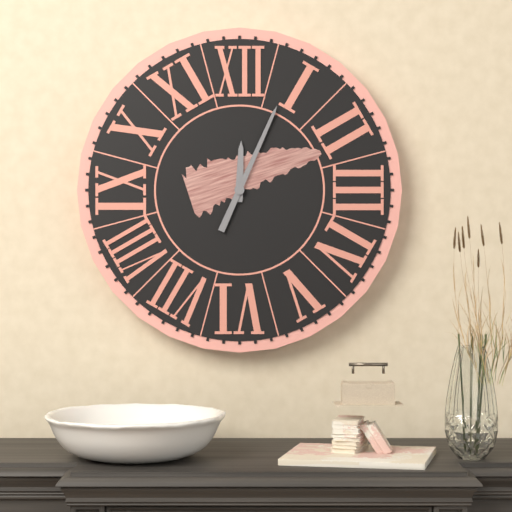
12:04
